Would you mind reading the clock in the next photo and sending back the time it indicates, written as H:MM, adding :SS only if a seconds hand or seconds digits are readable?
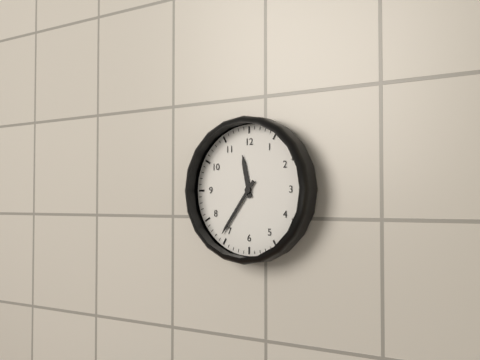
11:36
